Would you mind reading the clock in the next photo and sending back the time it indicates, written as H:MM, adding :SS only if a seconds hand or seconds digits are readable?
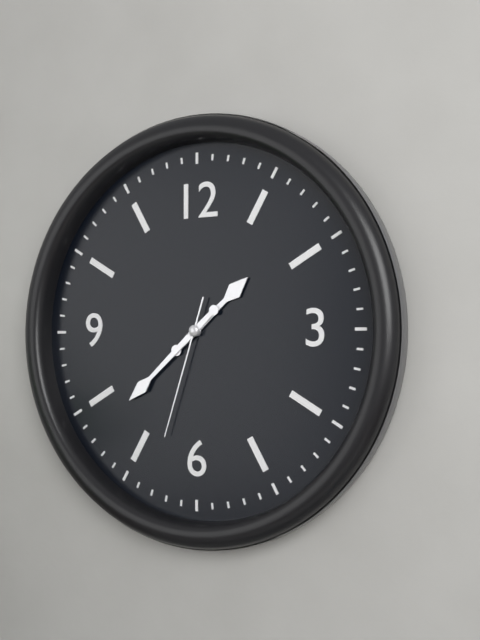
1:38:33
